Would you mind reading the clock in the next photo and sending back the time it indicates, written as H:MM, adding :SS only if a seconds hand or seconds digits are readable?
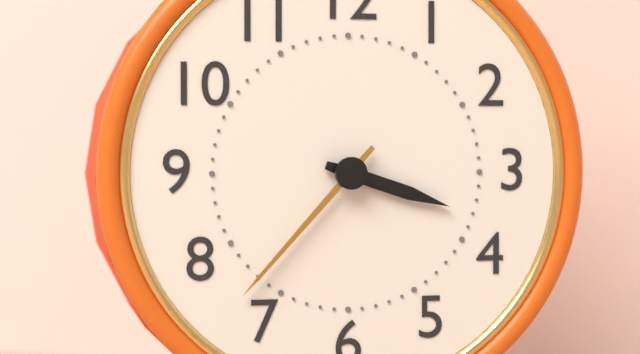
3:37
